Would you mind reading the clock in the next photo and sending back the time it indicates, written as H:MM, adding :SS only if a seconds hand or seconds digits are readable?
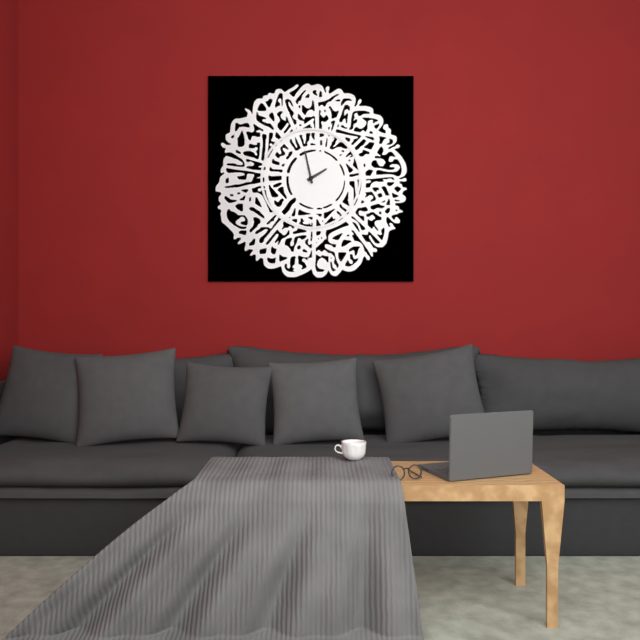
1:58
